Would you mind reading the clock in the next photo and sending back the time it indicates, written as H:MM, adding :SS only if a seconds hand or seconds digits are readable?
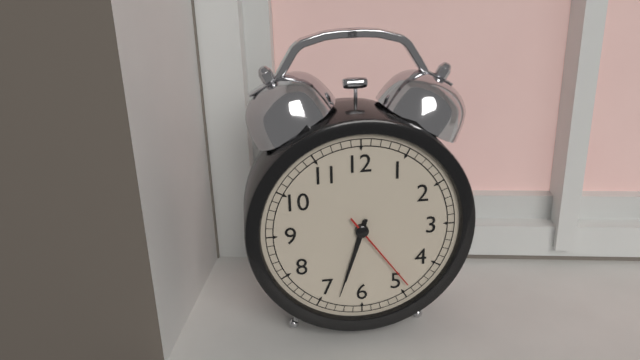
6:33:24
